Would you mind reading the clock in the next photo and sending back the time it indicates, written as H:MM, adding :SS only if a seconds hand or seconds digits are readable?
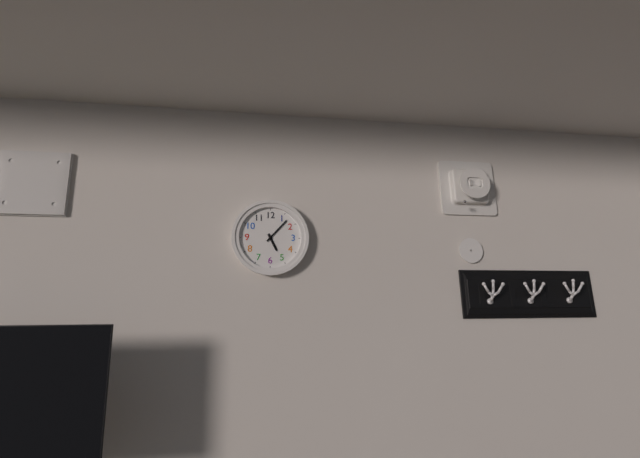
5:07
